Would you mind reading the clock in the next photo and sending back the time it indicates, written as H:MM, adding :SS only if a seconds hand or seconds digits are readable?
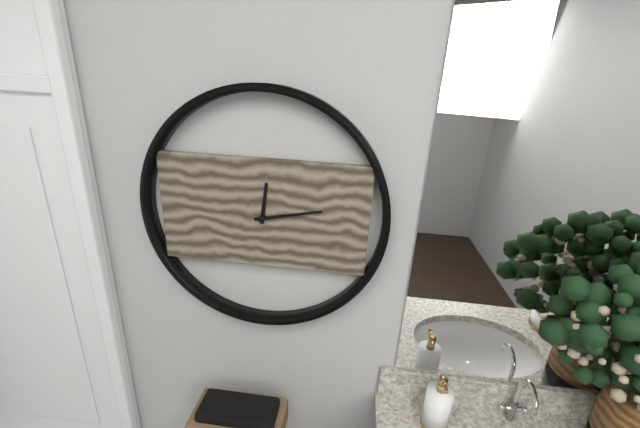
12:13
